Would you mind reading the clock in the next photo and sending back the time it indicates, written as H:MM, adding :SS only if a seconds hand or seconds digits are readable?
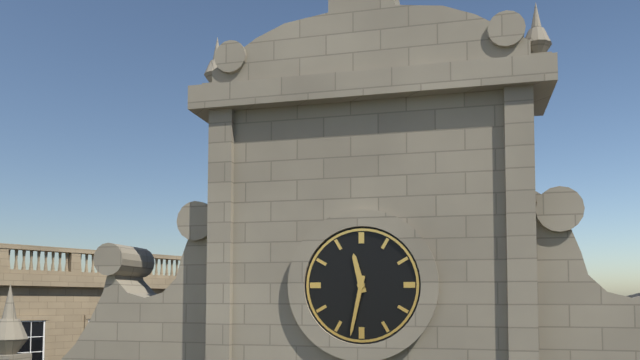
11:32
